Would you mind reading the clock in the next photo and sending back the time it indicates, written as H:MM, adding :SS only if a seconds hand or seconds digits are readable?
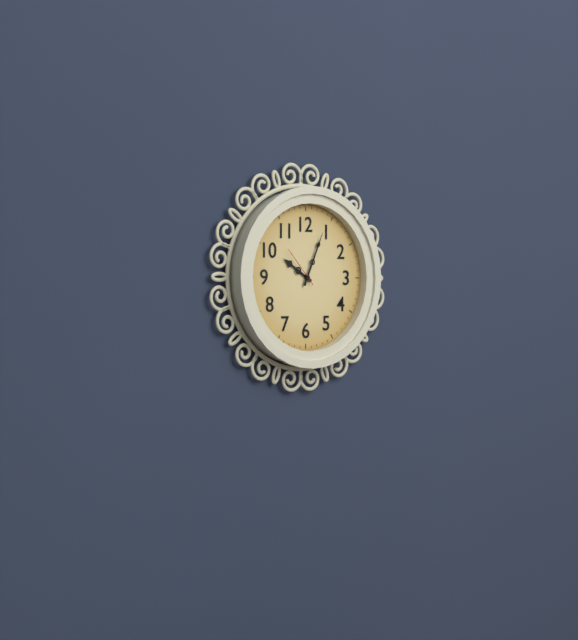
10:04
